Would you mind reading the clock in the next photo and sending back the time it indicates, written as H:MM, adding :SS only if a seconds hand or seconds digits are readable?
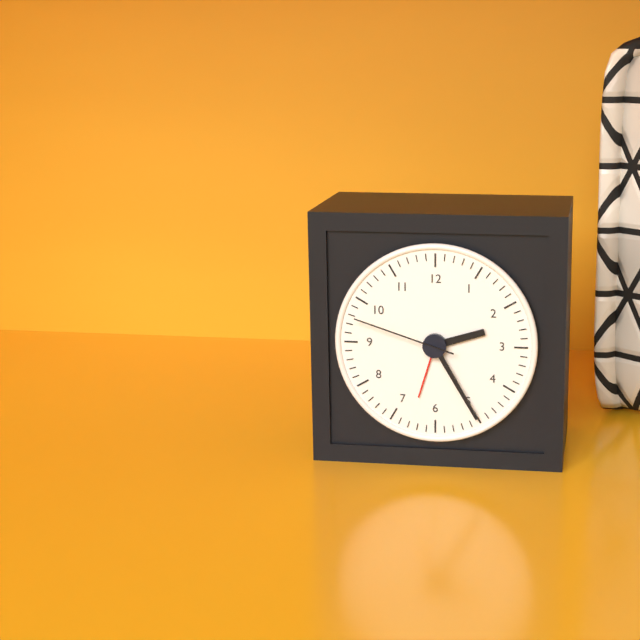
2:25:48
